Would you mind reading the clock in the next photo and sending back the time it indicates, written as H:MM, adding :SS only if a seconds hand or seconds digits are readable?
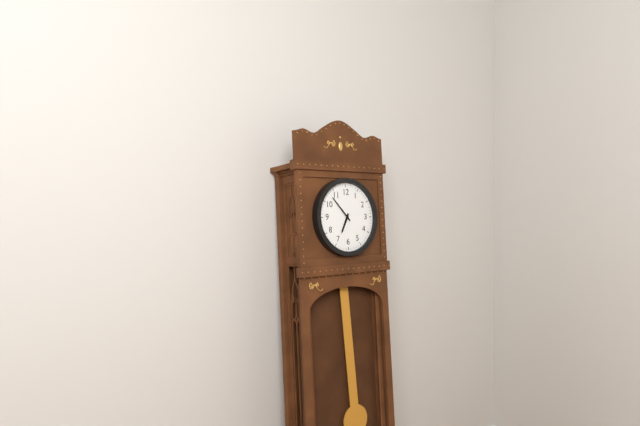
6:53
